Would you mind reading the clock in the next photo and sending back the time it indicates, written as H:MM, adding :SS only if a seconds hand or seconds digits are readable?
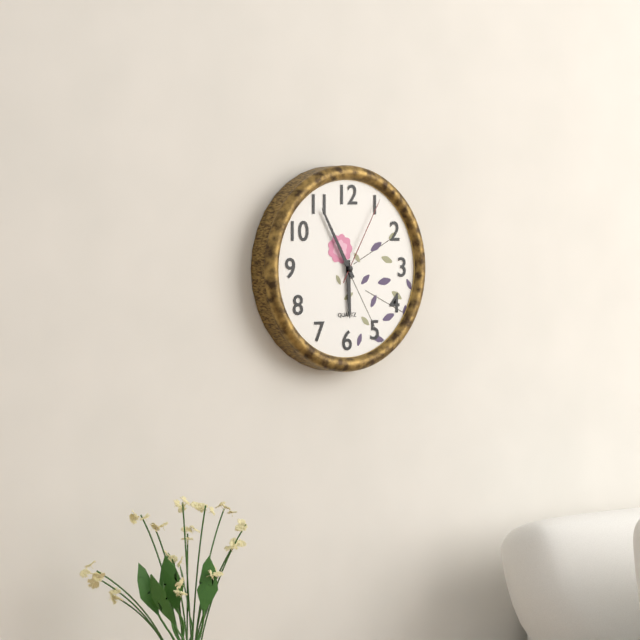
5:55:05
